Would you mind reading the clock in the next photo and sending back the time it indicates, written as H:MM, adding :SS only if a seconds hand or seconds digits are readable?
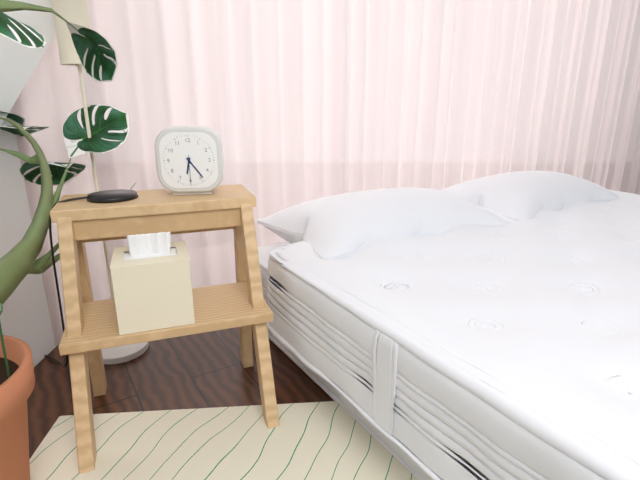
6:24
